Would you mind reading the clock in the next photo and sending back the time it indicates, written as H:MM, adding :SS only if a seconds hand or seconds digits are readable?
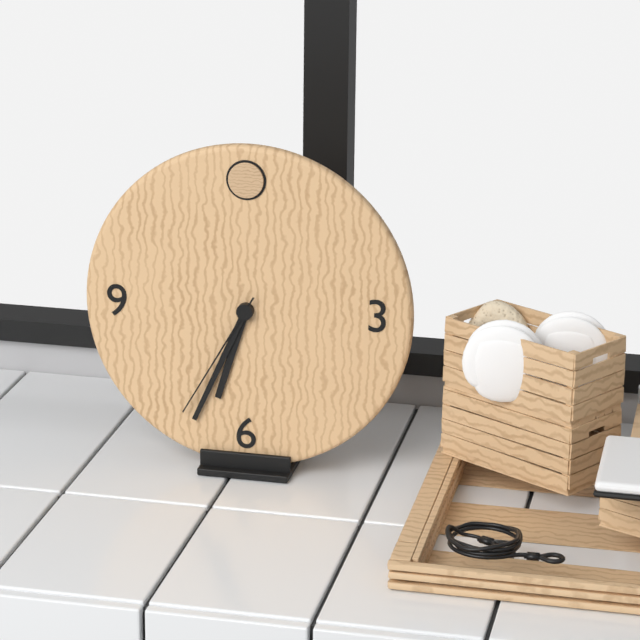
6:34:35
